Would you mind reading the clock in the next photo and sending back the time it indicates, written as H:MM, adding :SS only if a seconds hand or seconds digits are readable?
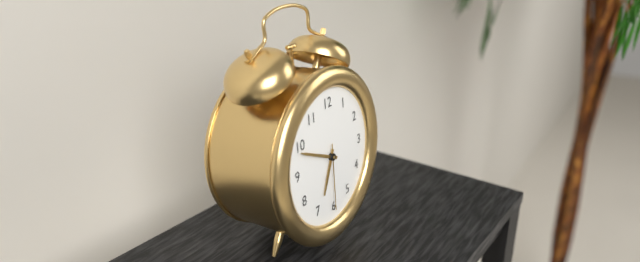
6:49:30
